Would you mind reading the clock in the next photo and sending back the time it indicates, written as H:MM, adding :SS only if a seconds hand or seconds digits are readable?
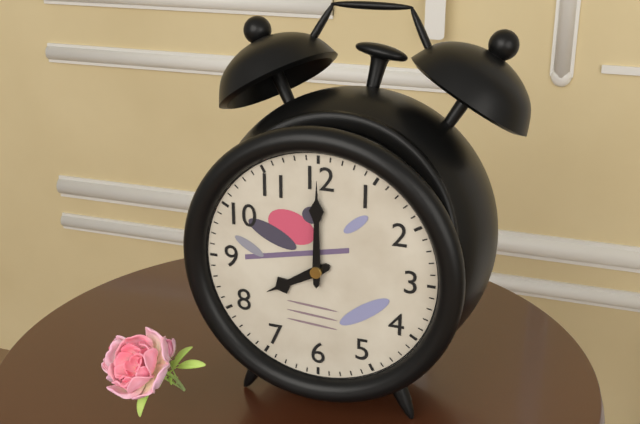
8:00
